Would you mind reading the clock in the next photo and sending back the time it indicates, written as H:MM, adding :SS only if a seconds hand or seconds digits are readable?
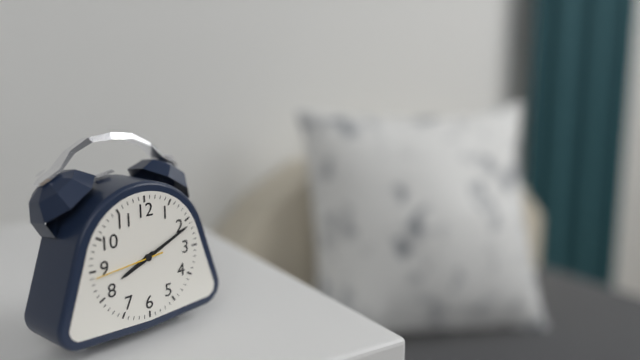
8:11:44
